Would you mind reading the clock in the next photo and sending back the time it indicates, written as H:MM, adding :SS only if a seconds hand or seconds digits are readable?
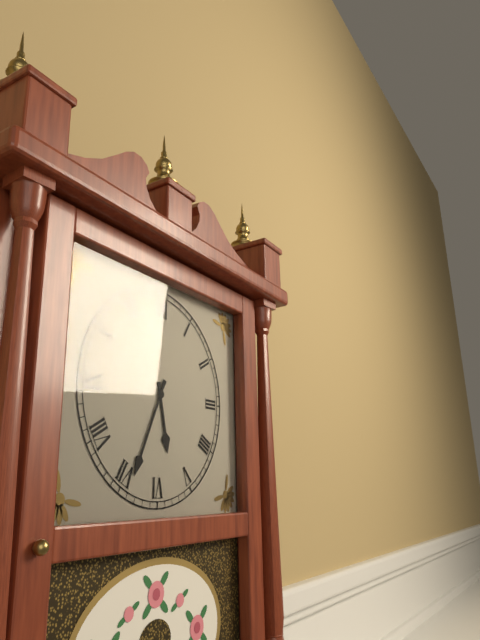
5:34
